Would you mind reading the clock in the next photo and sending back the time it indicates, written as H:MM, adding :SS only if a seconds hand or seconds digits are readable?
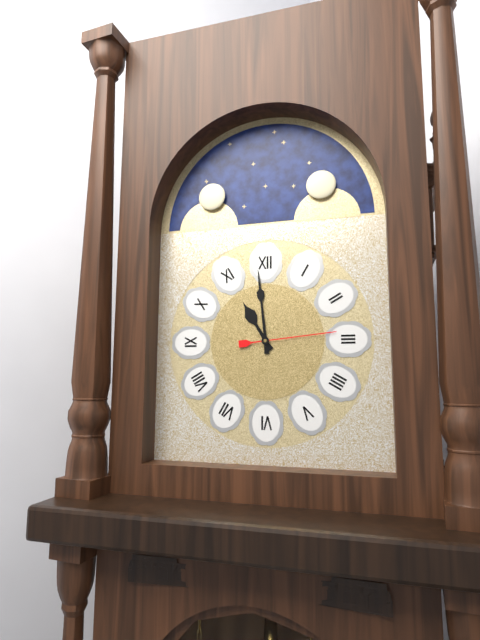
10:59:14
